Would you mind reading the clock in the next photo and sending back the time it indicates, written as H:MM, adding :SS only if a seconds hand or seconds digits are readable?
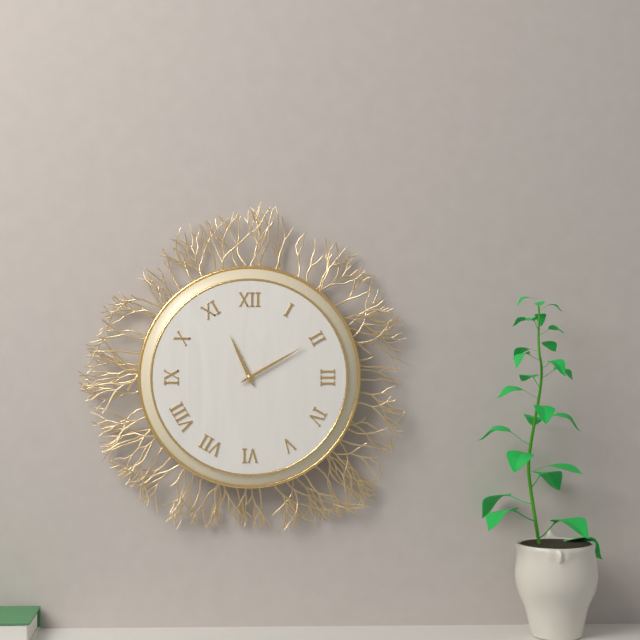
11:10
